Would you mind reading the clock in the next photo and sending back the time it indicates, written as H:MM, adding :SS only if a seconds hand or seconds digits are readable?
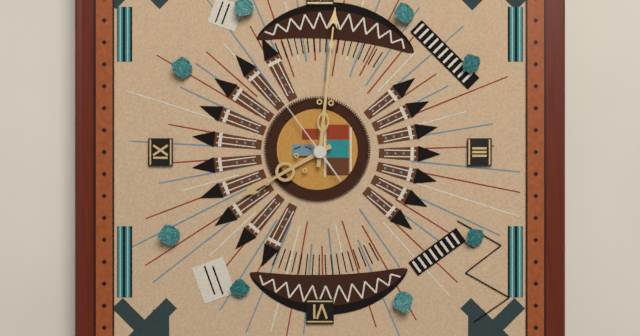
8:01:54
